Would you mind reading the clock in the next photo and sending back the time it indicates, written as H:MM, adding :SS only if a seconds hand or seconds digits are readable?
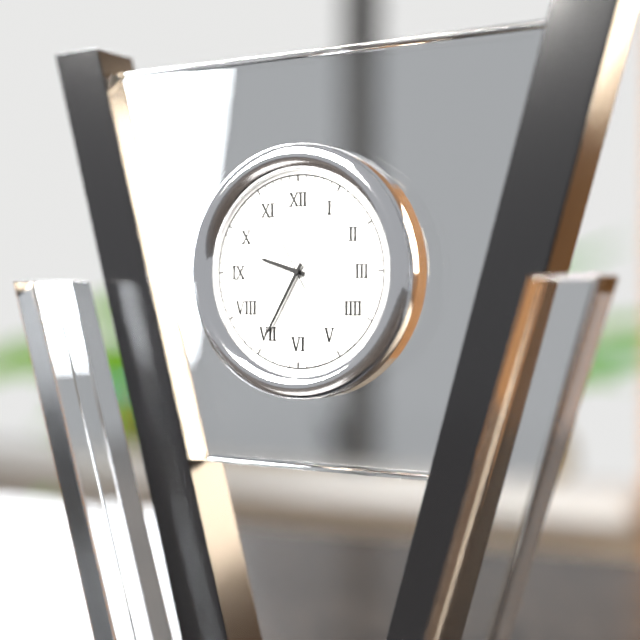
9:35:55
